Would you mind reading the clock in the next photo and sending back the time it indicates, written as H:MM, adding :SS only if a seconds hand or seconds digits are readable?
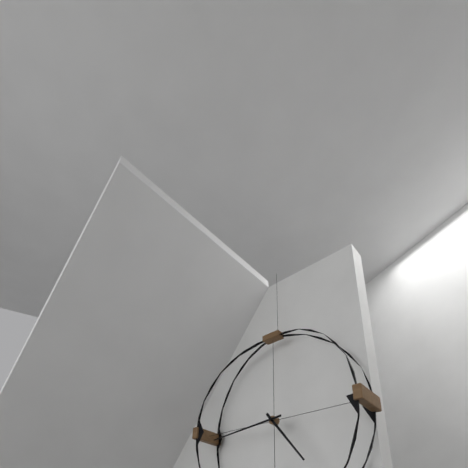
4:44
